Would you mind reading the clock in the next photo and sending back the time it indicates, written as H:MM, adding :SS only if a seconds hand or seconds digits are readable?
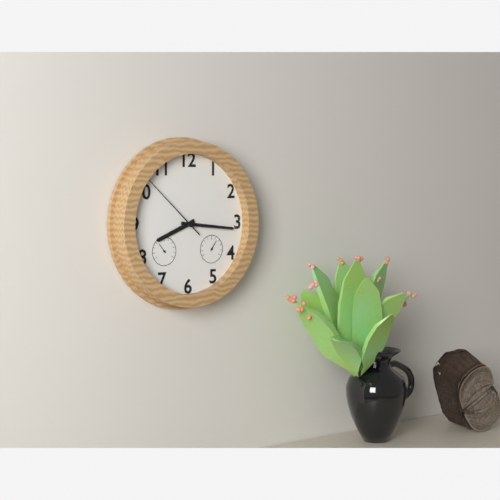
8:16:52
